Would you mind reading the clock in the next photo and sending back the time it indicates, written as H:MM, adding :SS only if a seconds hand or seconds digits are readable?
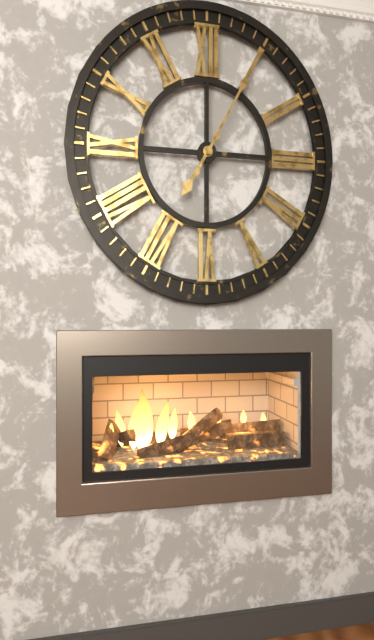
7:05
